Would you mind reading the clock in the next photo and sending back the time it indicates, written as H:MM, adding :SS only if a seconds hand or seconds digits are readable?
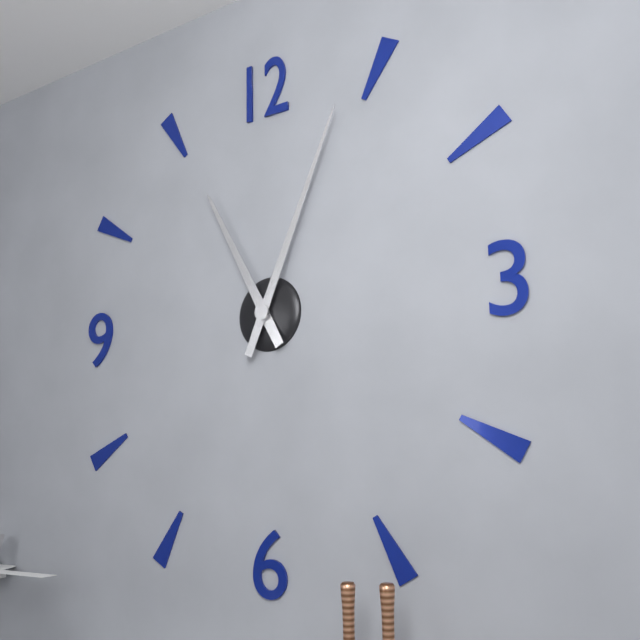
11:04
